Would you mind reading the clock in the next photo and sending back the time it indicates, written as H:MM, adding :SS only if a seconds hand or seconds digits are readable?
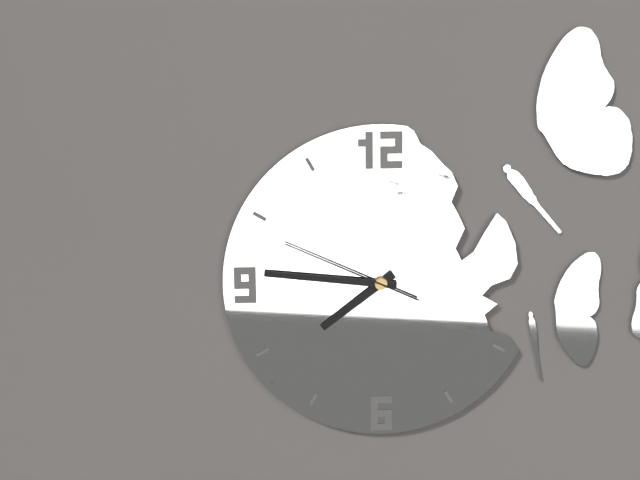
7:46:49
